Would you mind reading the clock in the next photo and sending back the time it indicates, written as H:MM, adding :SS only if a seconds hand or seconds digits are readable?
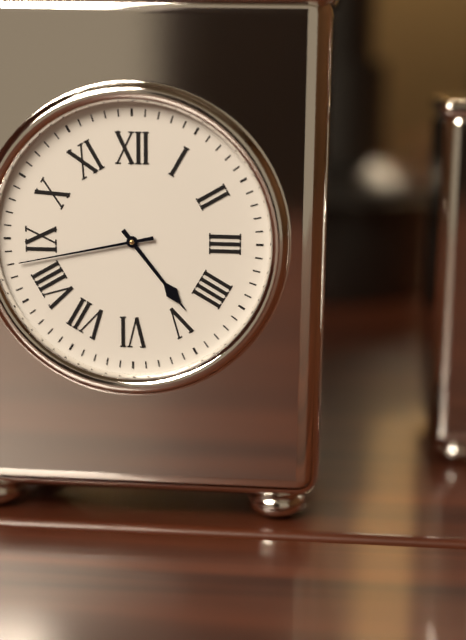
4:43
